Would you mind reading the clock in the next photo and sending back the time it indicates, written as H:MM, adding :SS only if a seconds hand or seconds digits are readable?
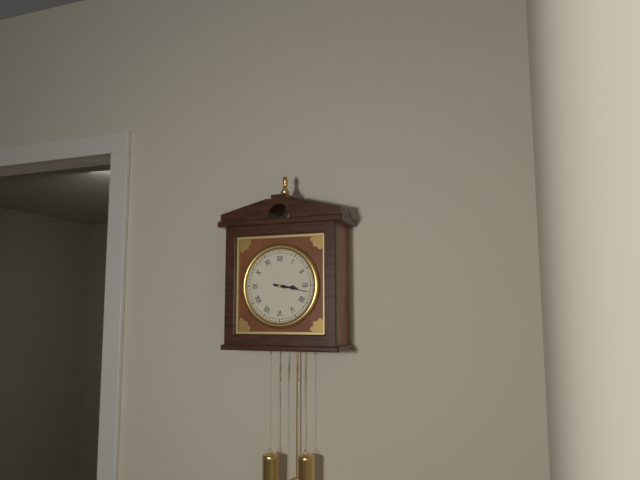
3:17
